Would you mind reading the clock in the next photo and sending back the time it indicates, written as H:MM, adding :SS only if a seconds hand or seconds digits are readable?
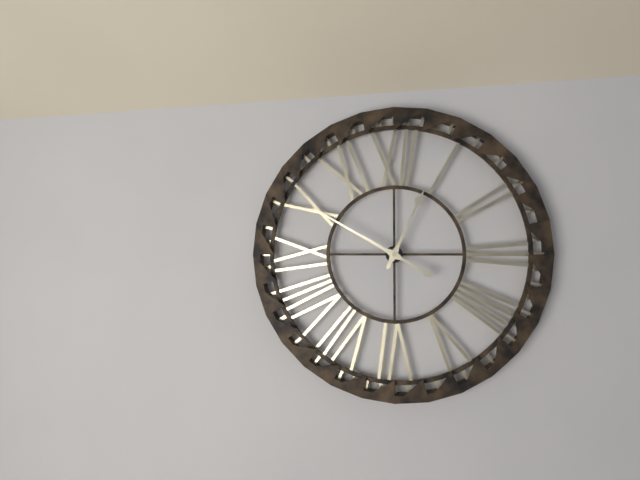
12:50
